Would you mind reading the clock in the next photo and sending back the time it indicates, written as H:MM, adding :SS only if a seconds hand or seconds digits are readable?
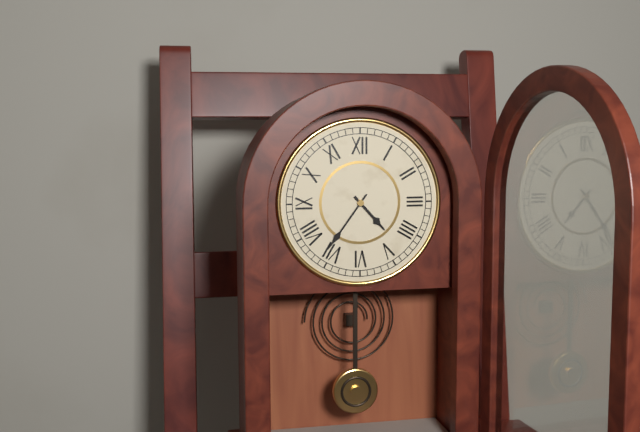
4:36
